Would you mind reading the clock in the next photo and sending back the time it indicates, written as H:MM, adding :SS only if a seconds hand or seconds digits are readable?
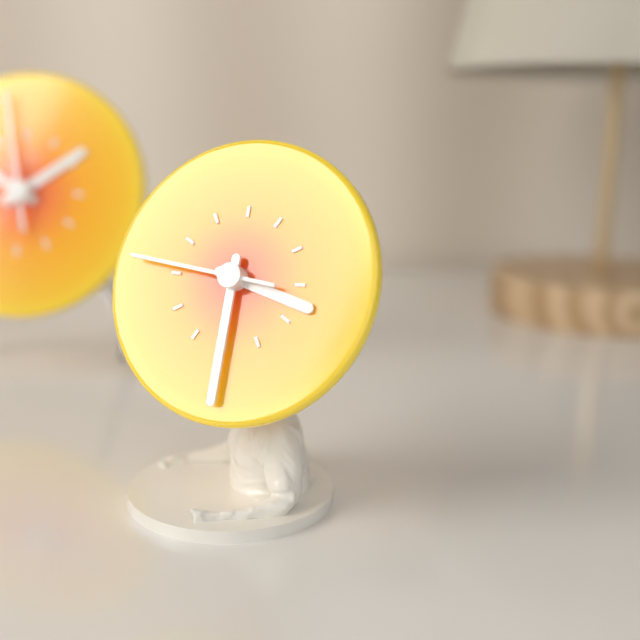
3:30:46
